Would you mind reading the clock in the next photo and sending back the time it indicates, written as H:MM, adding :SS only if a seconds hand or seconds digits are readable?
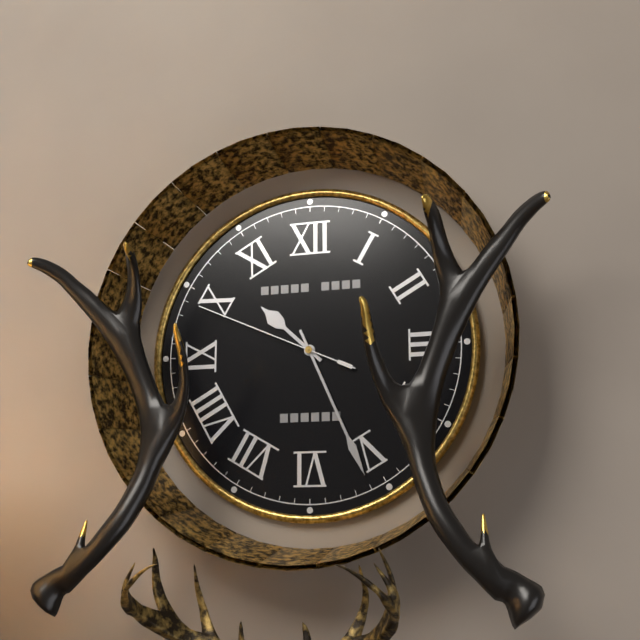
10:26:49
